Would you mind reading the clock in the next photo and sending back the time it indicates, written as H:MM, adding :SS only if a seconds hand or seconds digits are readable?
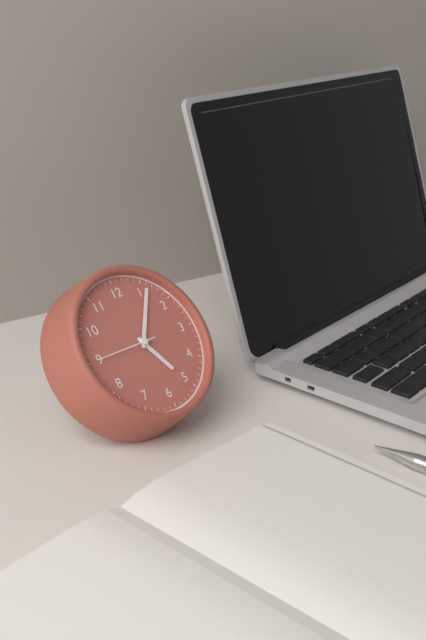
5:06:45
